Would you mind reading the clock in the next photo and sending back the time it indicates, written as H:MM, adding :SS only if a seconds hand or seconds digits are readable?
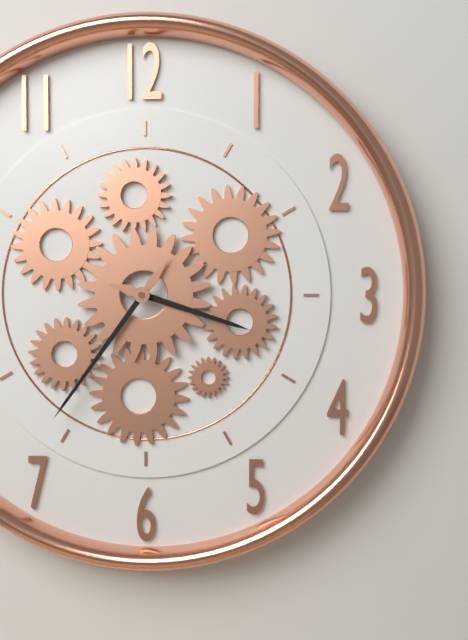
3:36
